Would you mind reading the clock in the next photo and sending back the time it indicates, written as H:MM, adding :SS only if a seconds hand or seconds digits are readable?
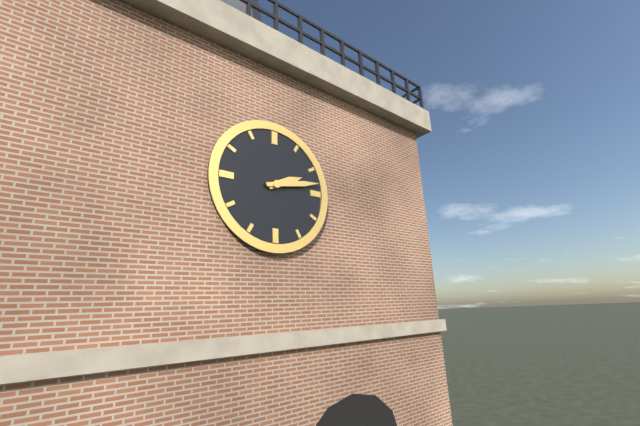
2:13
